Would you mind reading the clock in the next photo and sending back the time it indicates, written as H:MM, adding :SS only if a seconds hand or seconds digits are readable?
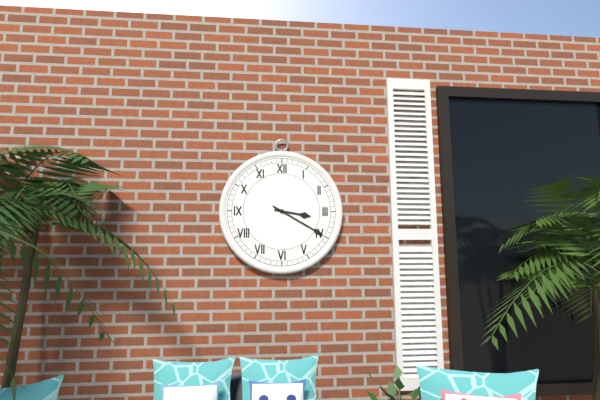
3:20
